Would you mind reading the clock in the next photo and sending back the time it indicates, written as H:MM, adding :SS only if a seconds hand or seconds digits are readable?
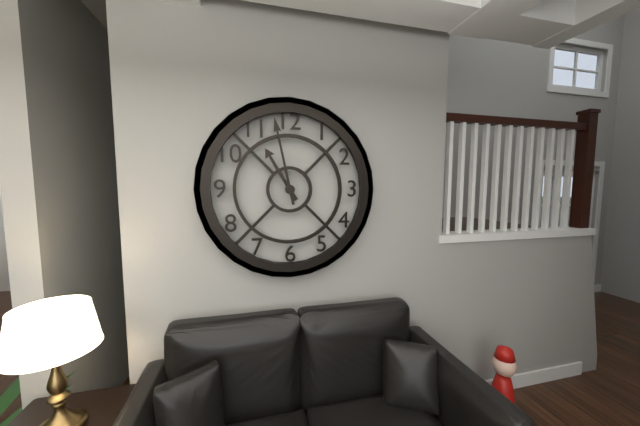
10:58
